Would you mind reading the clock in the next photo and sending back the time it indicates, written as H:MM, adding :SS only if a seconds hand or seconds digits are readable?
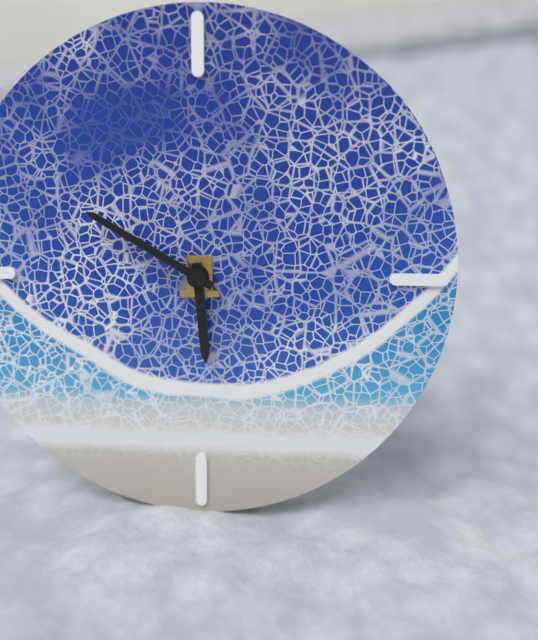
5:50
